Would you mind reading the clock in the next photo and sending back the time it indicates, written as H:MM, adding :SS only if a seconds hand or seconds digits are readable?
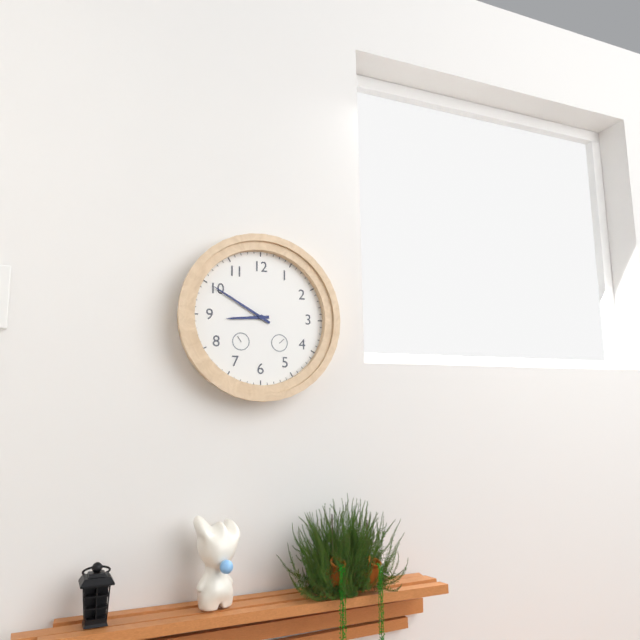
8:50
